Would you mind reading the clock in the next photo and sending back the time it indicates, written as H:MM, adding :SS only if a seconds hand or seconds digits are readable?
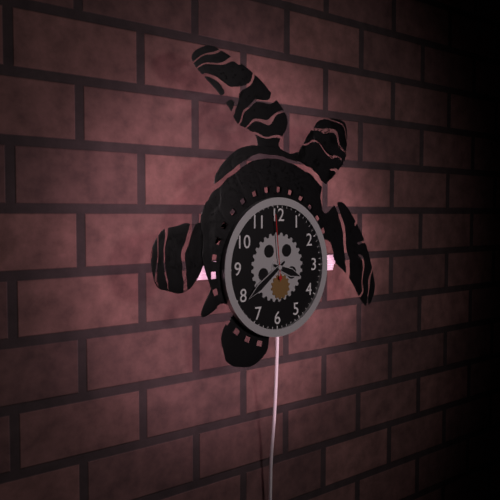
3:39:59
